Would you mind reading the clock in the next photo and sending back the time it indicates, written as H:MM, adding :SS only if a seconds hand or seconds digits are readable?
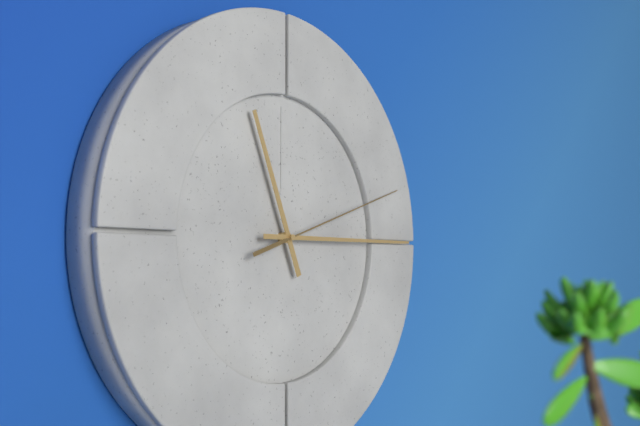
11:15:12
